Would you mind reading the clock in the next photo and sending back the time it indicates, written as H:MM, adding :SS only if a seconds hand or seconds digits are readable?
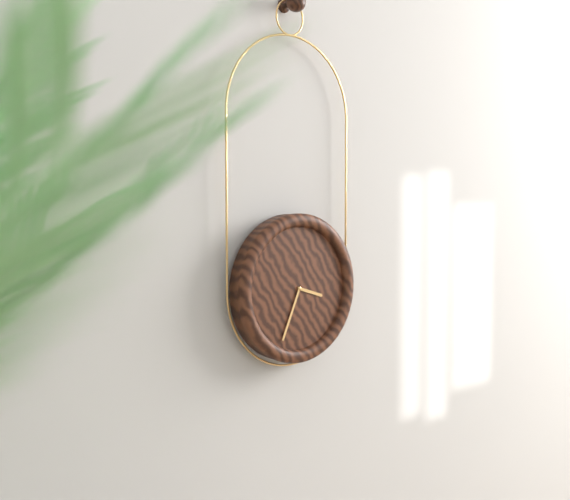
3:34
